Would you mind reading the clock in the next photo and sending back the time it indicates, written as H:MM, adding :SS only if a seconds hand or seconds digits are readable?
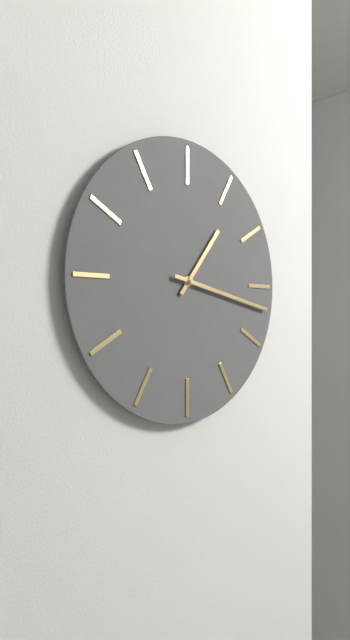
1:17
